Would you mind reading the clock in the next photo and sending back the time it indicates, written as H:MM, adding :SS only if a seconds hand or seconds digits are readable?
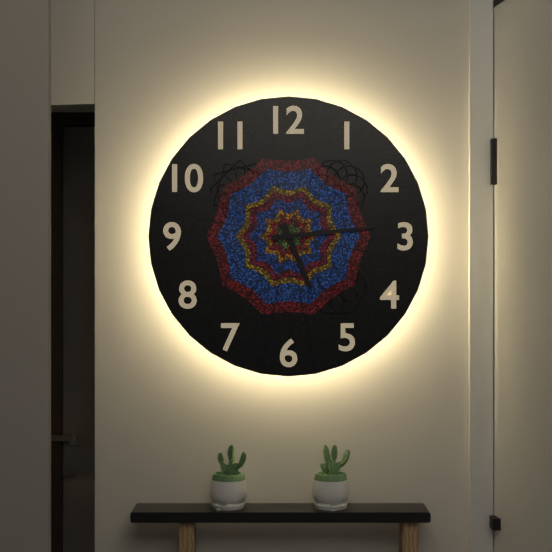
5:14
